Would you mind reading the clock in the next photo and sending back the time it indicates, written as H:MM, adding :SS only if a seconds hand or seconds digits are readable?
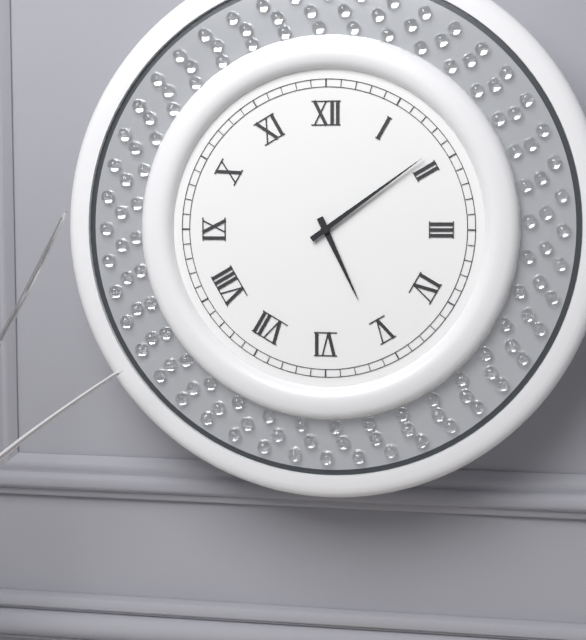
5:09
